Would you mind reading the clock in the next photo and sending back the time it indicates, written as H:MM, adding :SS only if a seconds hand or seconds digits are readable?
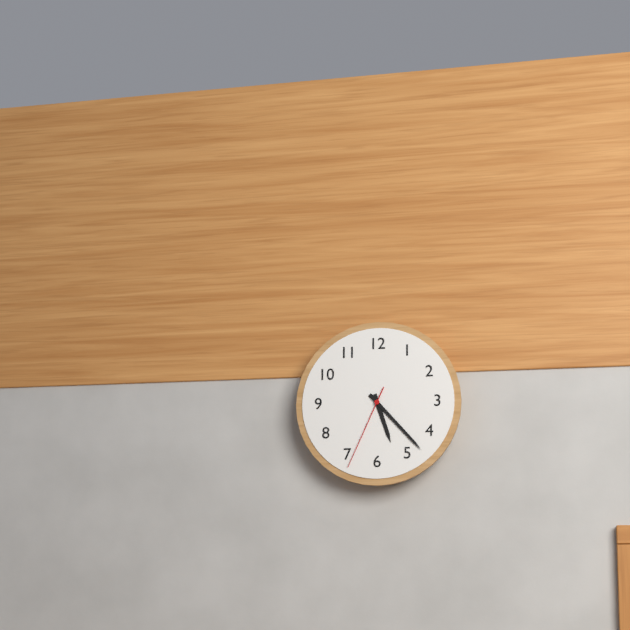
5:23:34
